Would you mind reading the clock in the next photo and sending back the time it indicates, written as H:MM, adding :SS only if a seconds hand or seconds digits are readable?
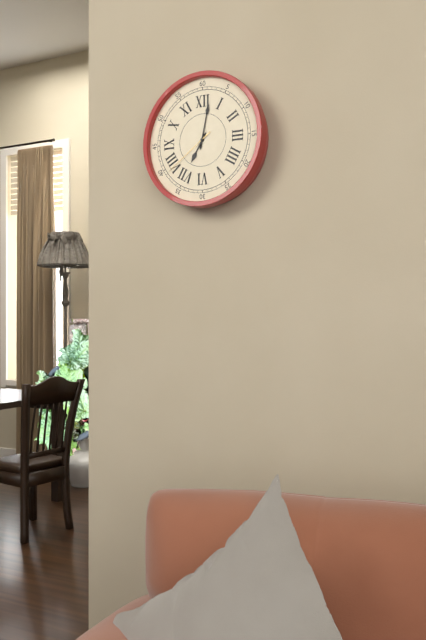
7:02:39
